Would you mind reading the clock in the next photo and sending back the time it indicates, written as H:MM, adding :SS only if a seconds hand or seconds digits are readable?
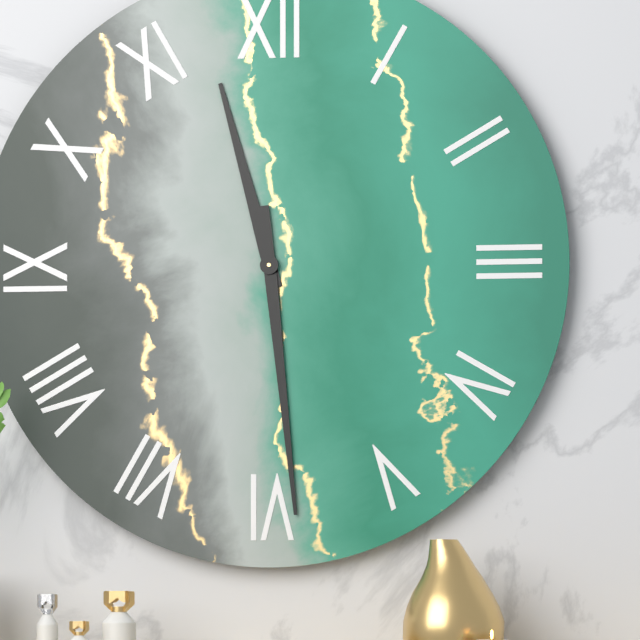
11:29
